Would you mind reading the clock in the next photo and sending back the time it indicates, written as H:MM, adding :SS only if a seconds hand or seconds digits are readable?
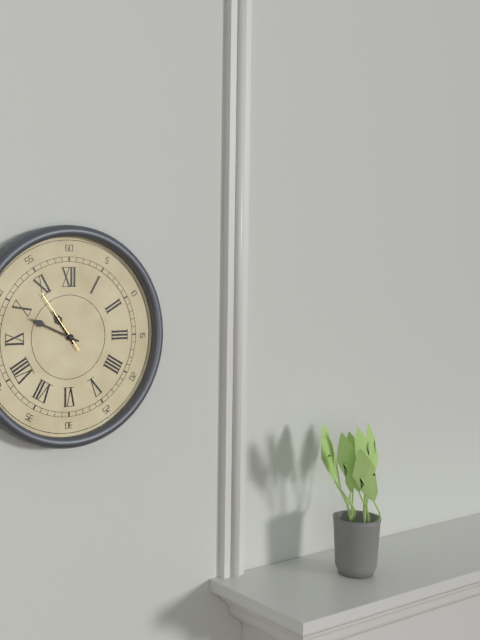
10:49:54
